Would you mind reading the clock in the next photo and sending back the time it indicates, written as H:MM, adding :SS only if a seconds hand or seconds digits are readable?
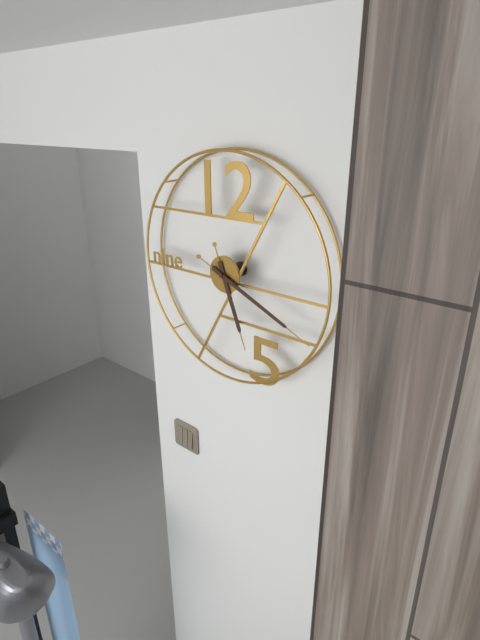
5:19
